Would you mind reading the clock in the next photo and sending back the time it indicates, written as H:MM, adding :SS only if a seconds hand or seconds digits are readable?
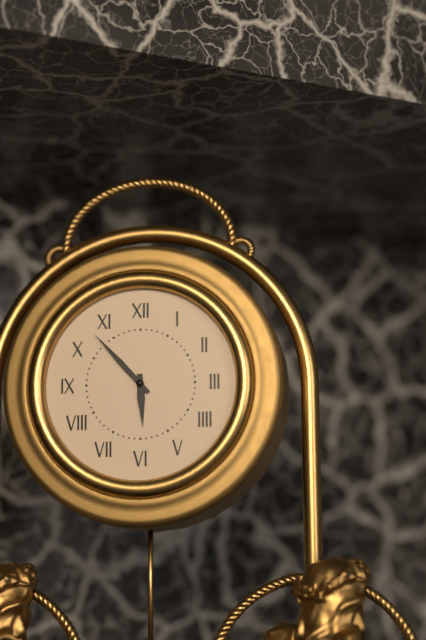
5:53
